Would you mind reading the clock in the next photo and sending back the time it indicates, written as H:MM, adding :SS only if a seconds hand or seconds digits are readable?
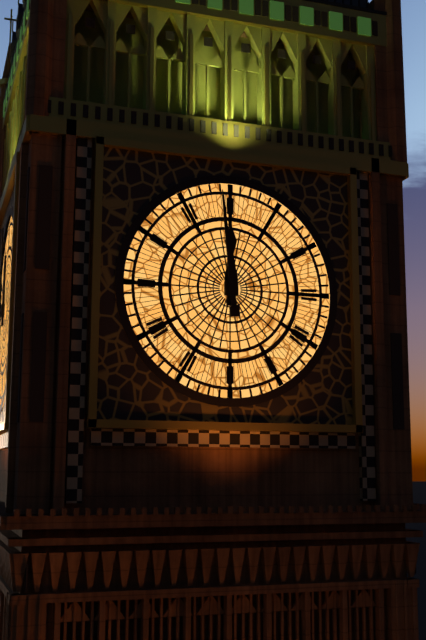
11:59
